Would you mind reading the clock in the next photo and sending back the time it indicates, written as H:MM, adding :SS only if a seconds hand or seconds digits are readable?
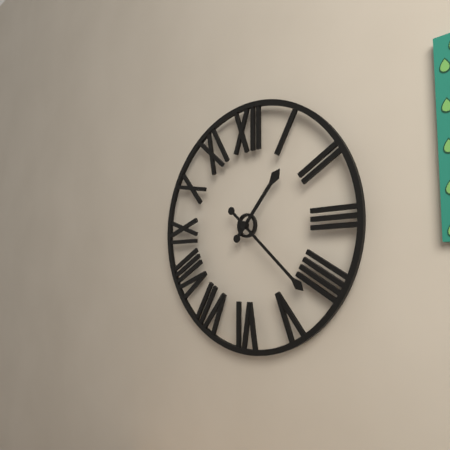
1:22
